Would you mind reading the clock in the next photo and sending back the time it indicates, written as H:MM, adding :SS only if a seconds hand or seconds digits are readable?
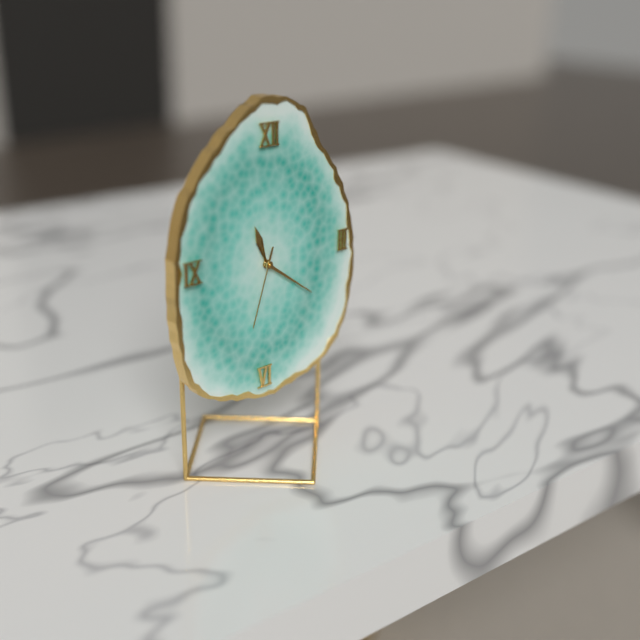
11:21:33
